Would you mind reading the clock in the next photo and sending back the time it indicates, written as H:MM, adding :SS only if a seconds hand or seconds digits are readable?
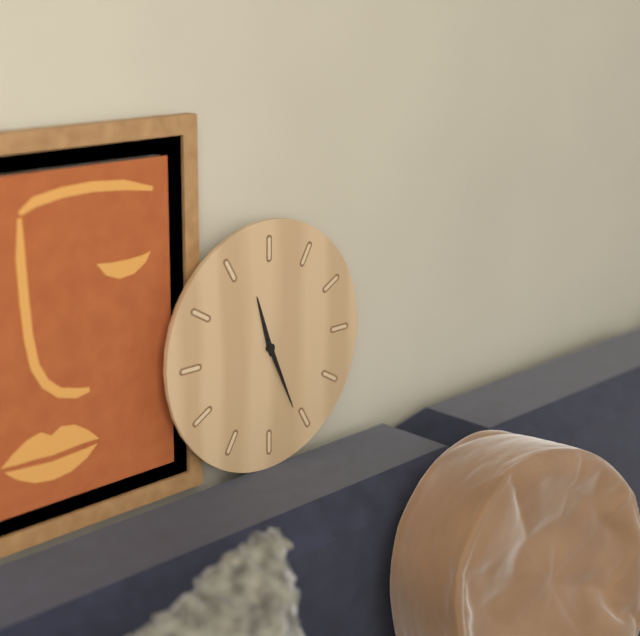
11:26
